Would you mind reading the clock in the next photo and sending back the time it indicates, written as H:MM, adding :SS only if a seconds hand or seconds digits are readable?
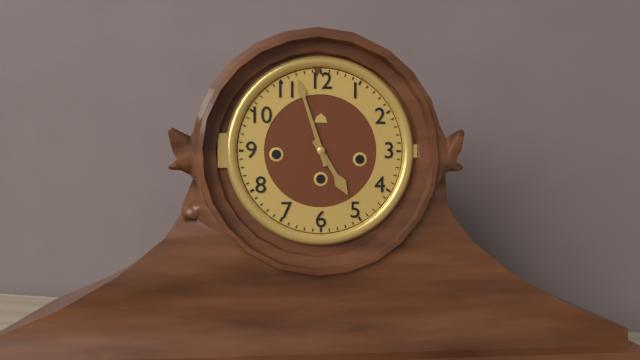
4:57
